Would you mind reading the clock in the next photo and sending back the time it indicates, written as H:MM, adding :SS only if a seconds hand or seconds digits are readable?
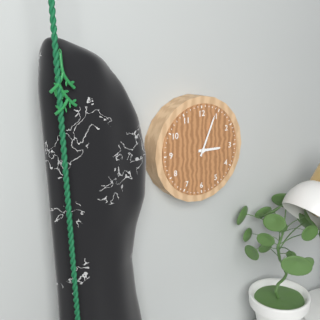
3:04
